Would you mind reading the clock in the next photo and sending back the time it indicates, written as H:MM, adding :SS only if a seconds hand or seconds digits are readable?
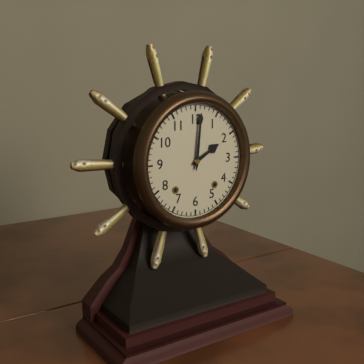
2:01
